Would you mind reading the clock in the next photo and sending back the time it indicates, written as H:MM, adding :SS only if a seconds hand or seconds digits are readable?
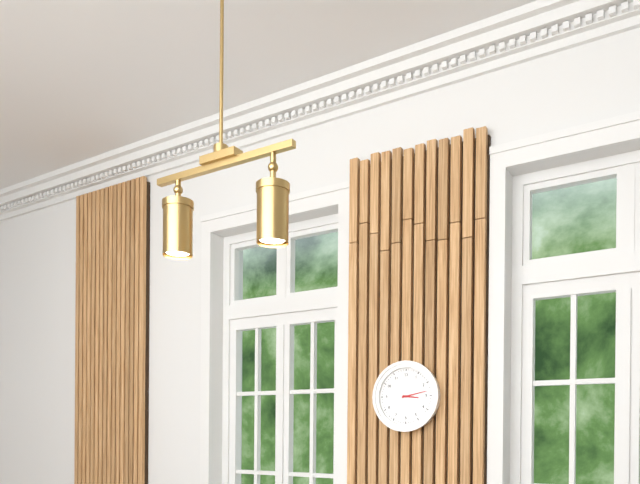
3:13
